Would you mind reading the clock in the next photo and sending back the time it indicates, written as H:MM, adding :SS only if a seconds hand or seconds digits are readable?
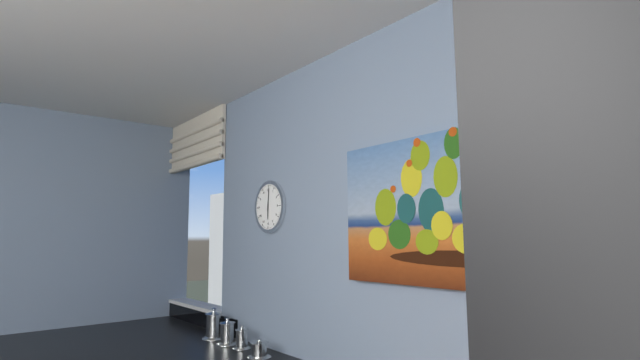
6:01
